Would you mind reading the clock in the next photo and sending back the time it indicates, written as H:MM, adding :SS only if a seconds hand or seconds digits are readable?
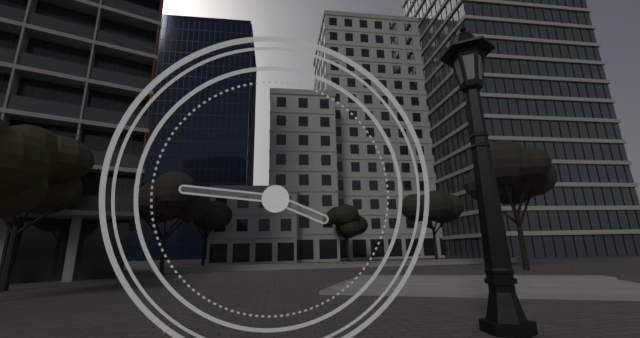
3:46
